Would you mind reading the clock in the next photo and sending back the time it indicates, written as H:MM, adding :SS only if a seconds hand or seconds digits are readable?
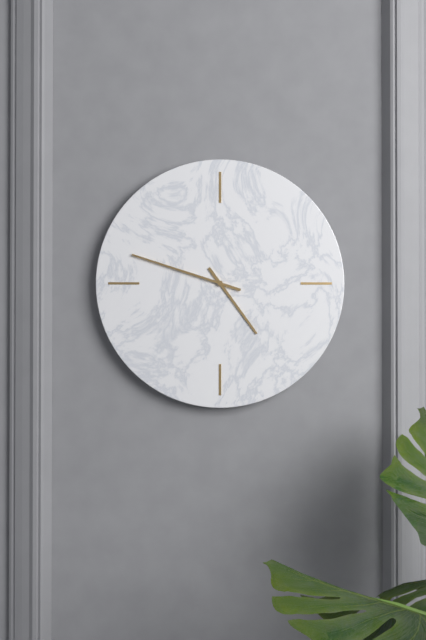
4:48
